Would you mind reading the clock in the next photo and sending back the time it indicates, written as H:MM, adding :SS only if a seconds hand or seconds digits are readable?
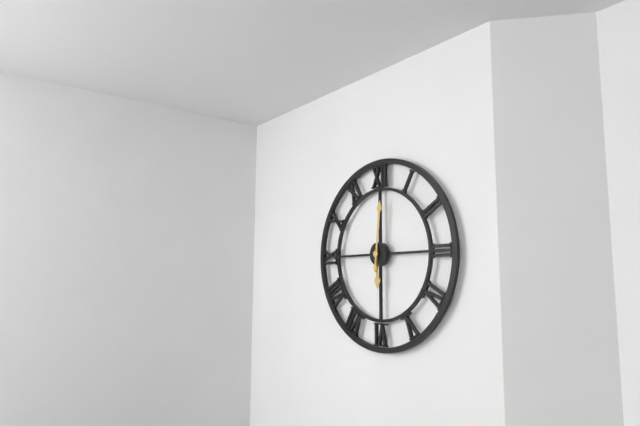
6:01
